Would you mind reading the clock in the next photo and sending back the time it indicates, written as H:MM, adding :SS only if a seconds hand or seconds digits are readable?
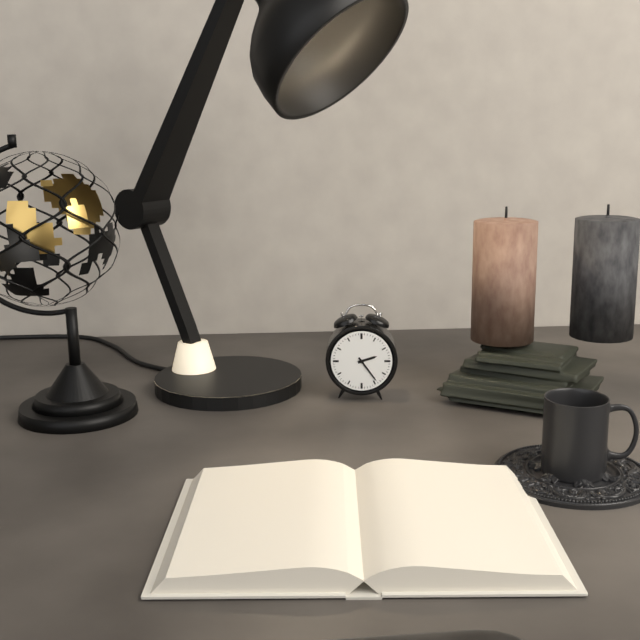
2:24
